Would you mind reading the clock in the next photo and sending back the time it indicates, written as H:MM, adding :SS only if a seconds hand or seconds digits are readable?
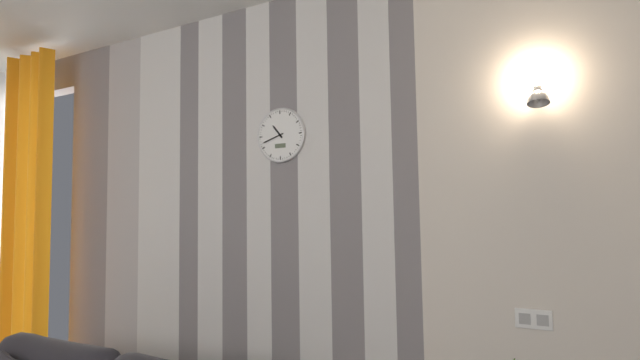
10:42
